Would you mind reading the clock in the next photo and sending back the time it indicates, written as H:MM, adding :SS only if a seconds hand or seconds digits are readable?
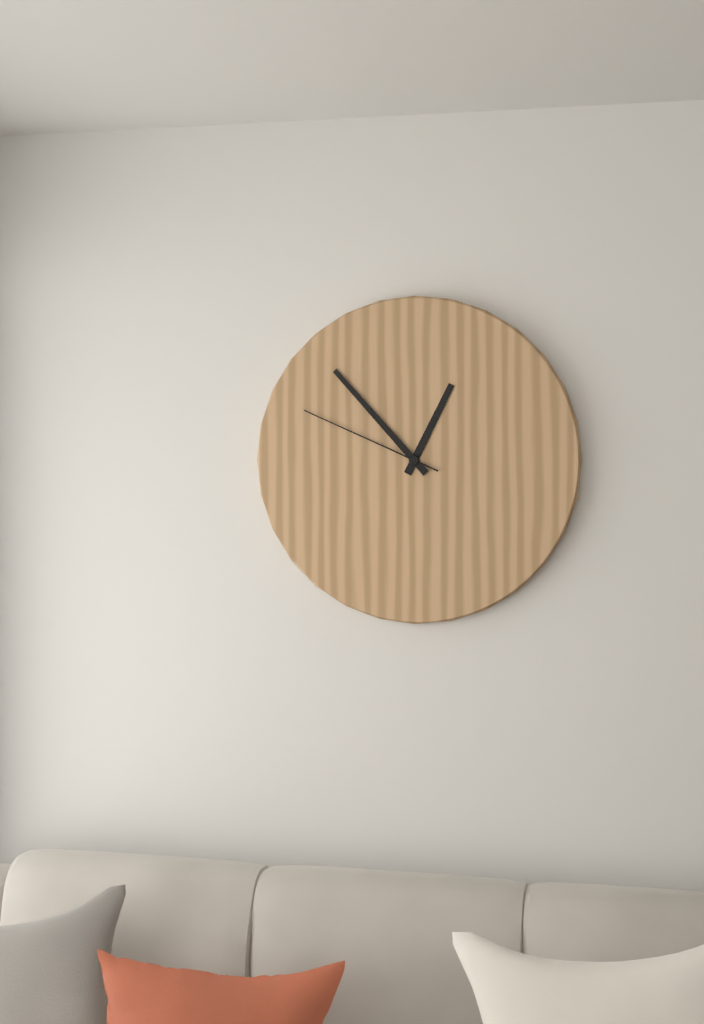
12:53:49
